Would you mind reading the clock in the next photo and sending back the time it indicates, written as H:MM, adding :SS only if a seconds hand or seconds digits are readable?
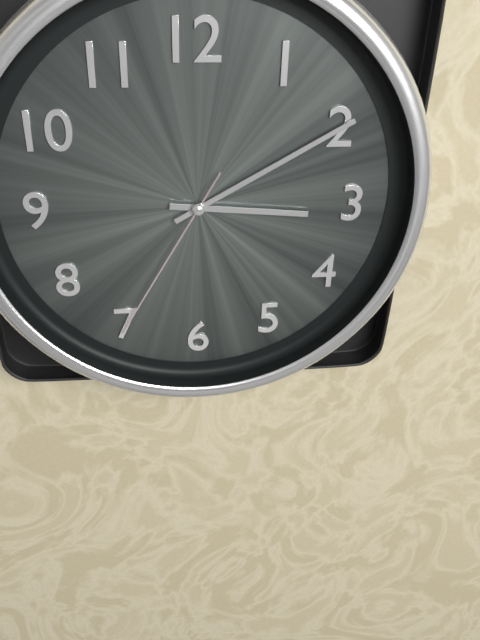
3:10:35
